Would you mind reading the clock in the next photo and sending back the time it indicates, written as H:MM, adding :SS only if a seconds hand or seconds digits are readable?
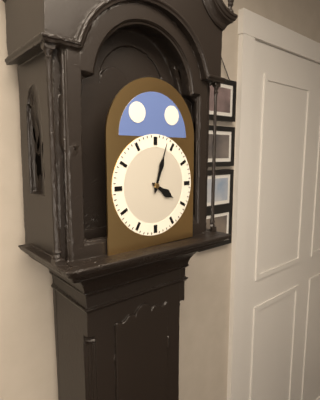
4:03
